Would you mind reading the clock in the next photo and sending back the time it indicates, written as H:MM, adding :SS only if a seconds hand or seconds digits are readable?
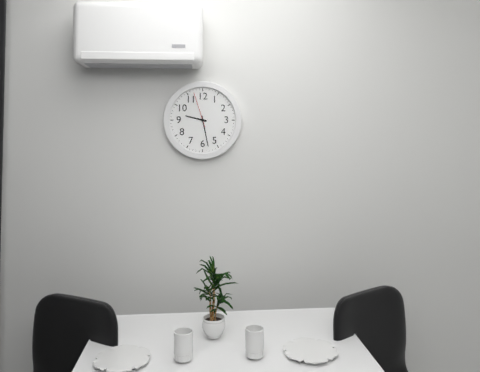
9:28
